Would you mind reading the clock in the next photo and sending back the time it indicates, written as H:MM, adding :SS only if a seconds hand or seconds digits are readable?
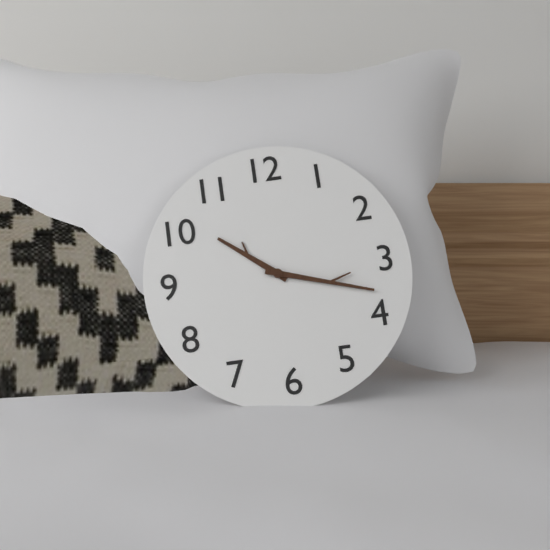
10:18
